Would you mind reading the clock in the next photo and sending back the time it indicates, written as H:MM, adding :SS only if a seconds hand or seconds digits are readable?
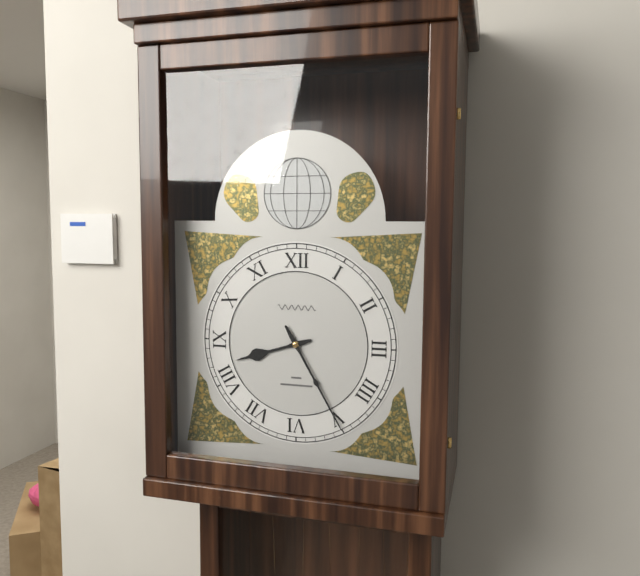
8:25
